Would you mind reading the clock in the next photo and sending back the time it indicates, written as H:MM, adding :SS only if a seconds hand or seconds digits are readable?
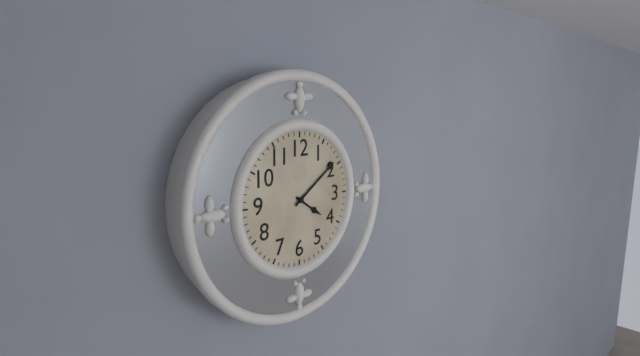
4:09
